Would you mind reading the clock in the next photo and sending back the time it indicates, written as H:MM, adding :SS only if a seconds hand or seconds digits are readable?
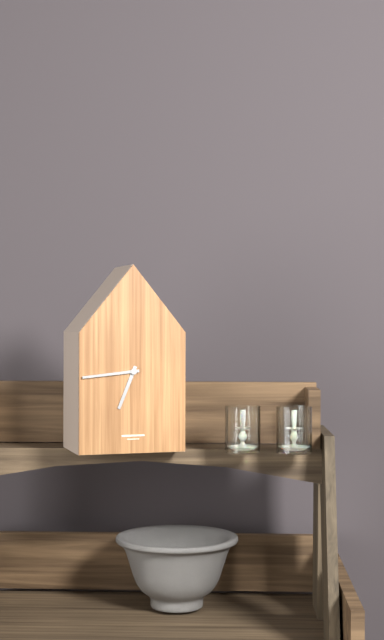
6:44
